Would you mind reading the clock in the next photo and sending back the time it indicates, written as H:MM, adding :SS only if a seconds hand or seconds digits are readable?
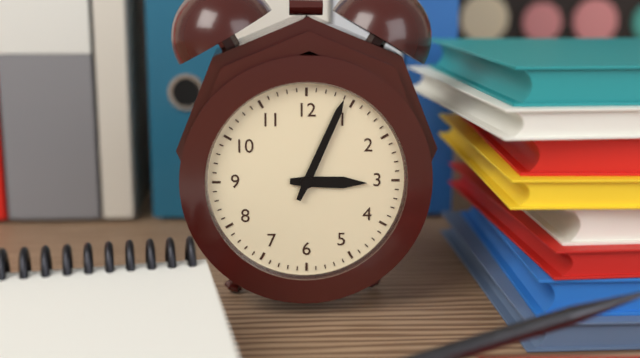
3:04
